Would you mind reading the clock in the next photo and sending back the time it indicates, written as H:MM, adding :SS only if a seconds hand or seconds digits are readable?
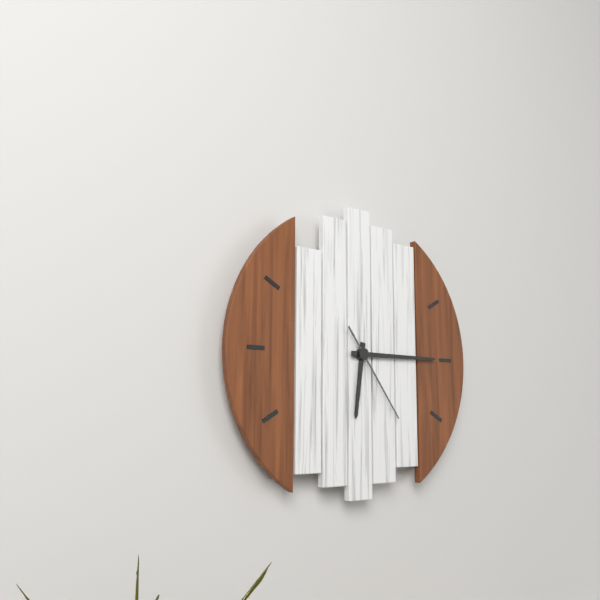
6:15:24
